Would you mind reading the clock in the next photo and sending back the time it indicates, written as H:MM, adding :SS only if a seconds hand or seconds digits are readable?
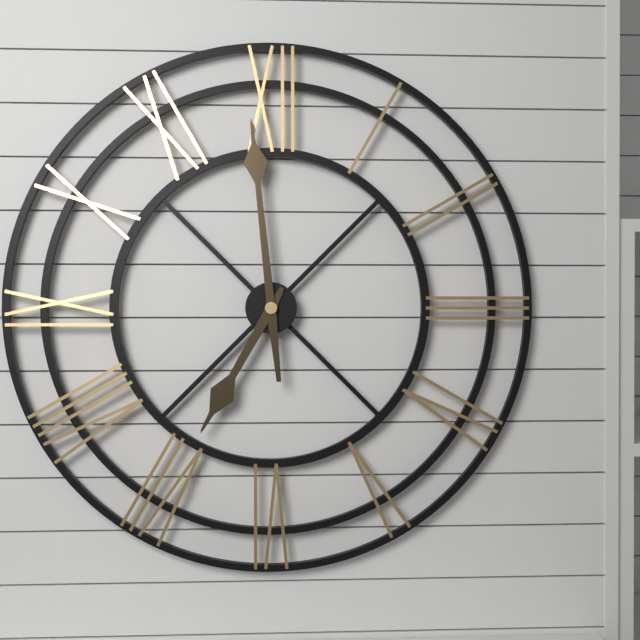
6:59
